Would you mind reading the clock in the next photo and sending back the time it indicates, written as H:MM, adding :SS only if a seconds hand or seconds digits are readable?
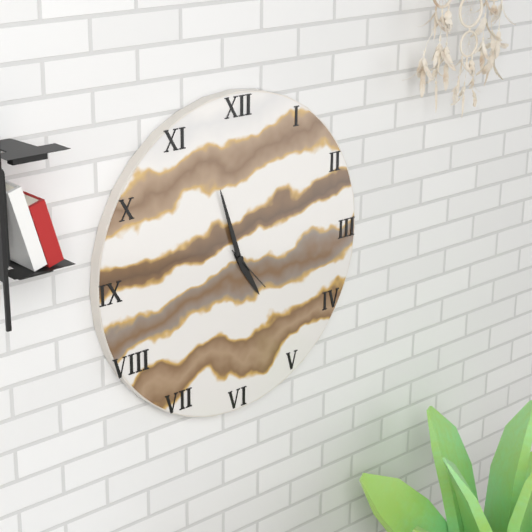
4:57:23
